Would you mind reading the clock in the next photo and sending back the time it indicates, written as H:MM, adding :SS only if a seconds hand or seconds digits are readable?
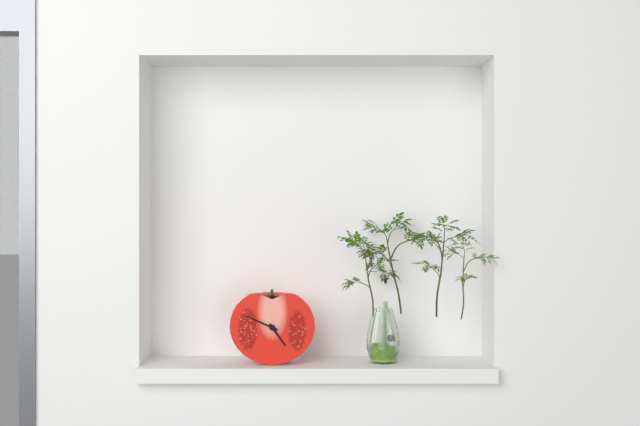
4:49
